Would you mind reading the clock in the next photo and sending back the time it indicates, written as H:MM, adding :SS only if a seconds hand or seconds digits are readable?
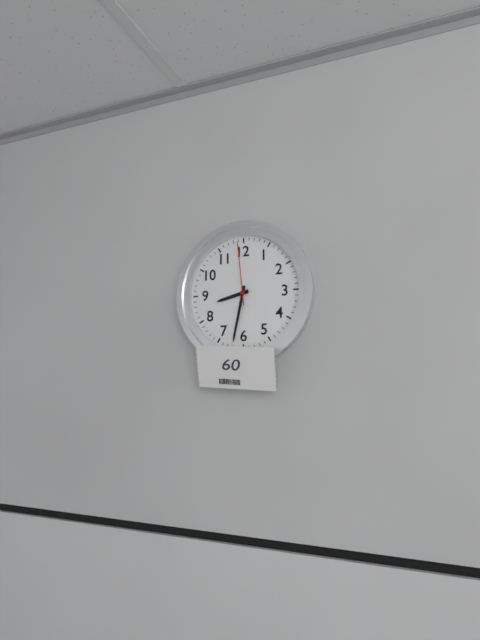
8:32:59
